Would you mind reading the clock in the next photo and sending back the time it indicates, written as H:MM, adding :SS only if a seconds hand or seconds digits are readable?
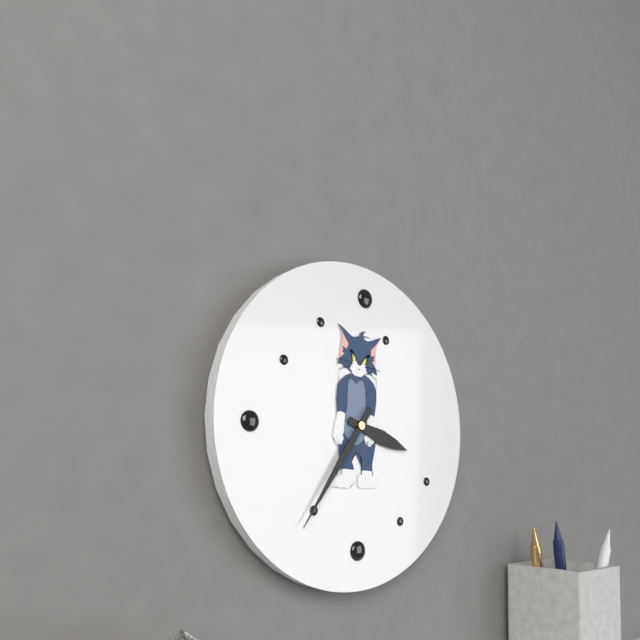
3:36
